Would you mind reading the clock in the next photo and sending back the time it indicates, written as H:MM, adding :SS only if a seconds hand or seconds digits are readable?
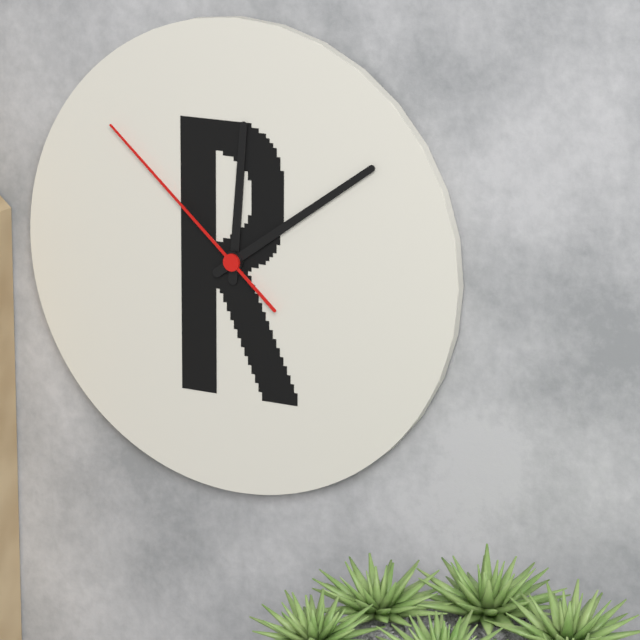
12:09:52
